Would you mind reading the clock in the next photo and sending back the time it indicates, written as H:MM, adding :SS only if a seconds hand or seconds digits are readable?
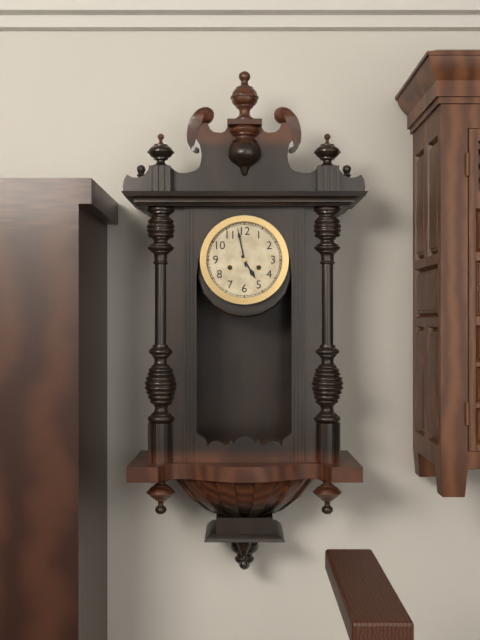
4:58
